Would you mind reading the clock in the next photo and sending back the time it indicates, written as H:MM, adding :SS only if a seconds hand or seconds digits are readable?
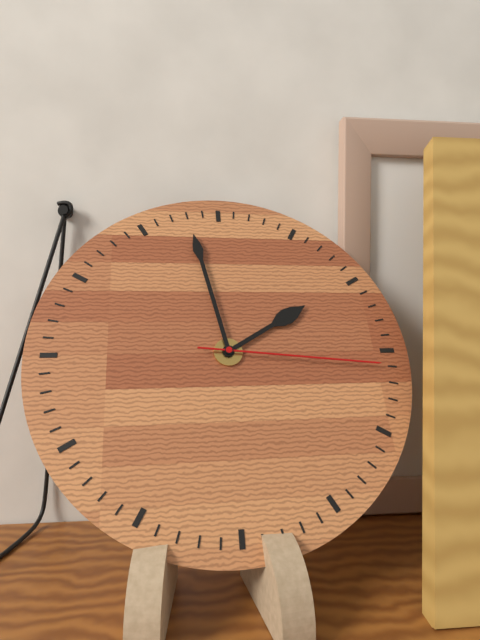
1:58:16
